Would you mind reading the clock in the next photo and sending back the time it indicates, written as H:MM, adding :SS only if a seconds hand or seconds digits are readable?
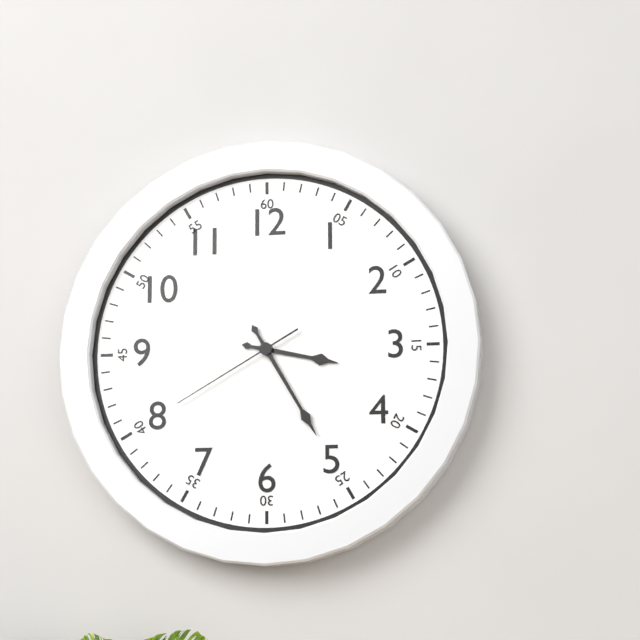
3:25:40
